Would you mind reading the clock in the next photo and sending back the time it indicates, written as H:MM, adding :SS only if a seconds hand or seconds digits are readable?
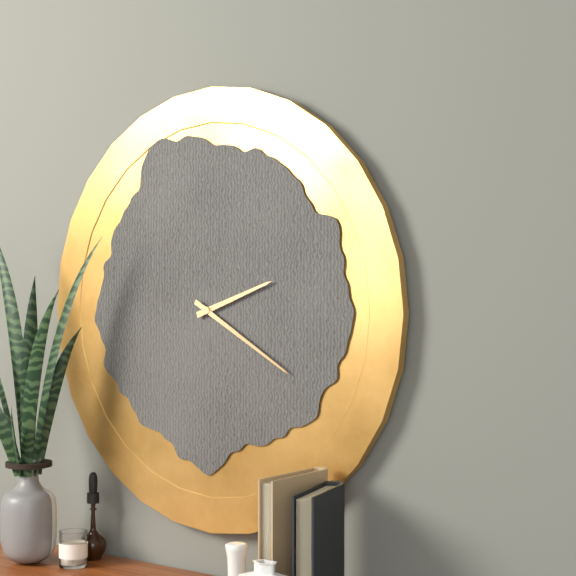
2:20
